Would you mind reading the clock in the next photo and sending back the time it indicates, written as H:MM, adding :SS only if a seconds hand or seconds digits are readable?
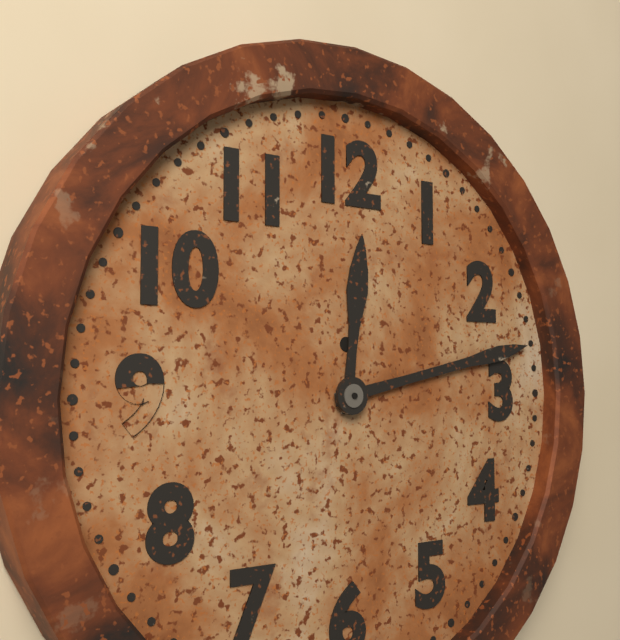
12:13
